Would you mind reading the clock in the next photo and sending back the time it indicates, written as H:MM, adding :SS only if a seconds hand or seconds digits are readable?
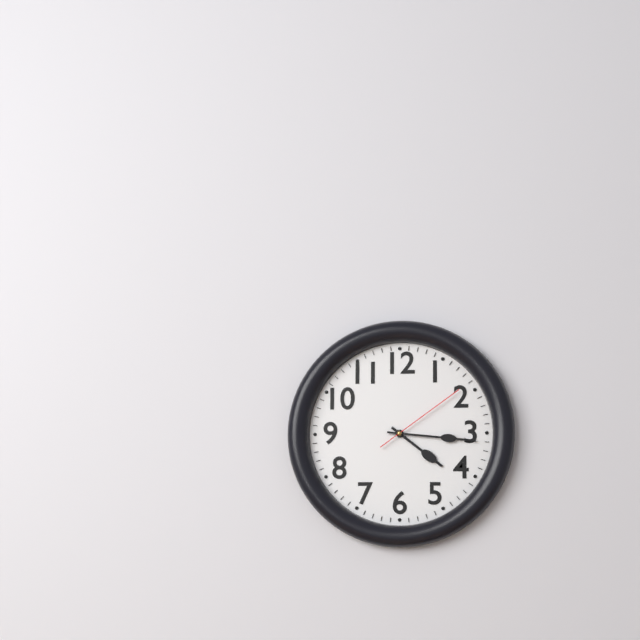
4:16:09
